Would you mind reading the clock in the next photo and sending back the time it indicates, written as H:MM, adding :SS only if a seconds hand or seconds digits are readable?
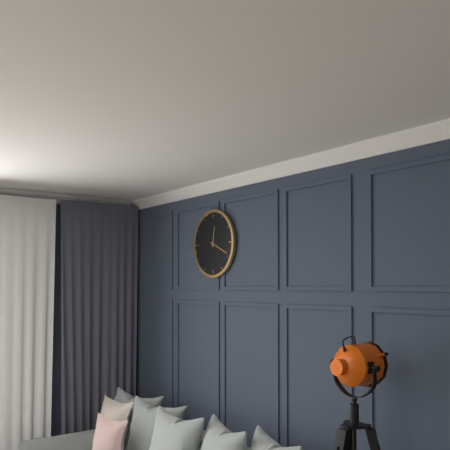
12:19
